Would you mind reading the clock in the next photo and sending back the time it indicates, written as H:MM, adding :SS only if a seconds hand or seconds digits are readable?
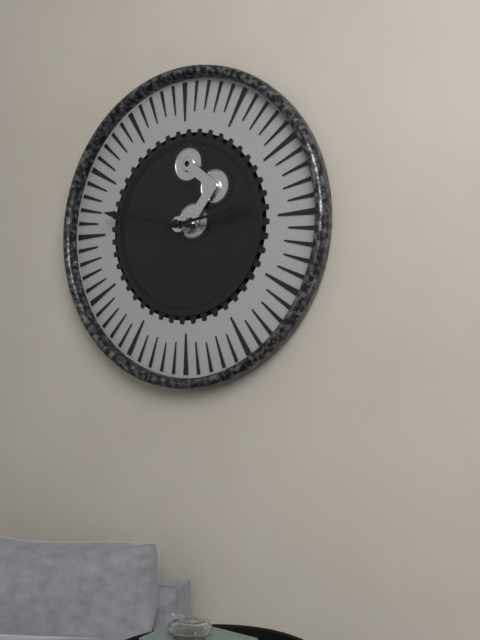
2:47
